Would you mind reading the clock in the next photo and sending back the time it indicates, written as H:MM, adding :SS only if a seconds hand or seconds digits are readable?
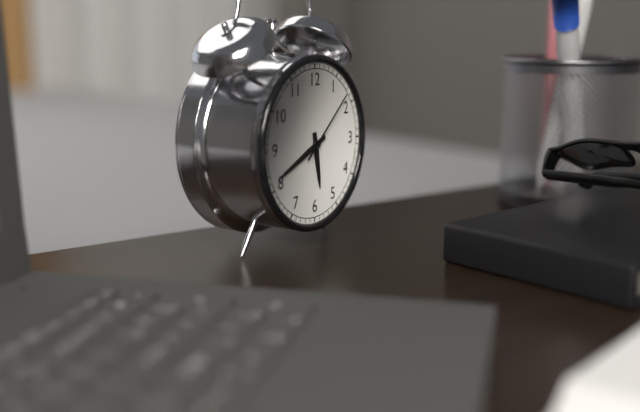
5:41:08
